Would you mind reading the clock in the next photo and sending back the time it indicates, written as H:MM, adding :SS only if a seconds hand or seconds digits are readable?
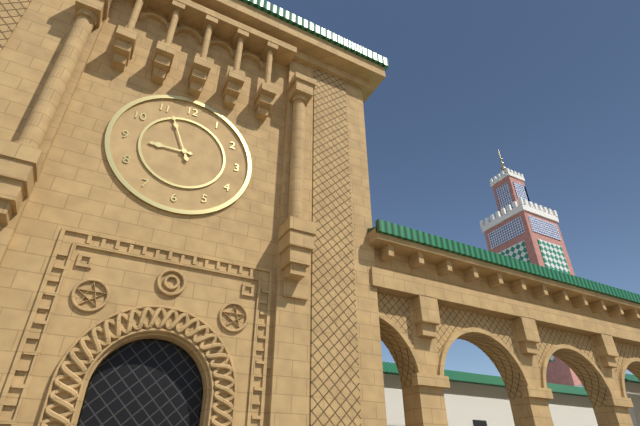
8:56
